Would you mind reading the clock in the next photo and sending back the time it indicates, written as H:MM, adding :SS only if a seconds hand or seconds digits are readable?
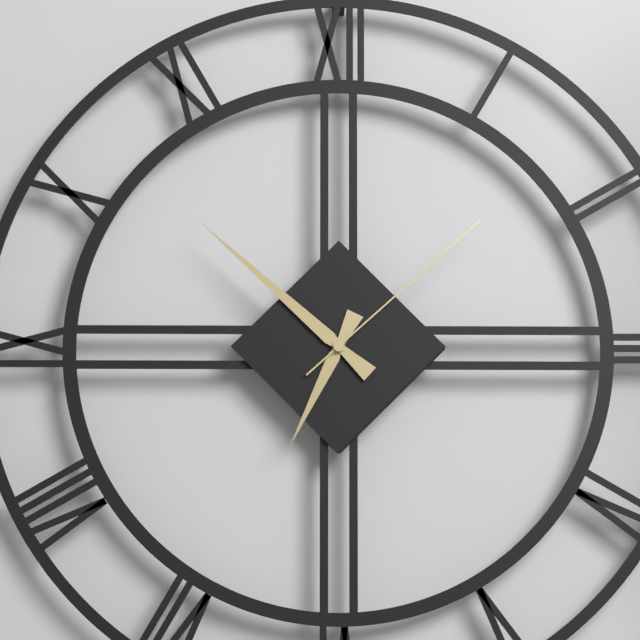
6:52:08
